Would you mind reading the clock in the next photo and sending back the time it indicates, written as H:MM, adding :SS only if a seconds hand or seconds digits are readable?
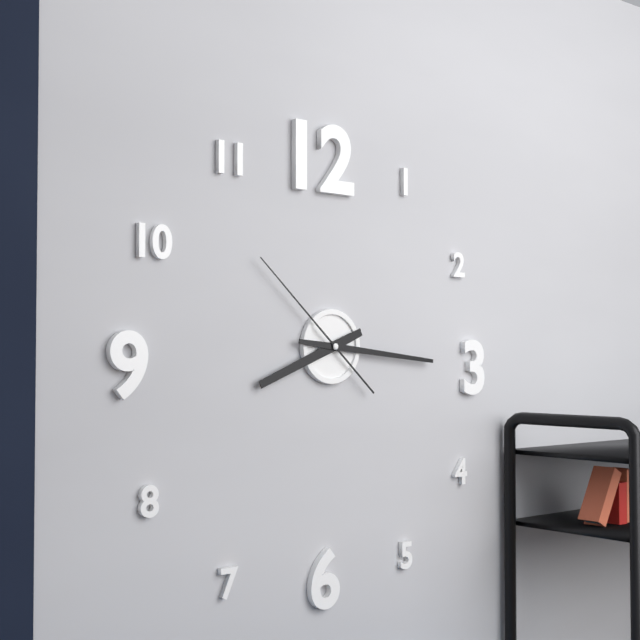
8:16:52
